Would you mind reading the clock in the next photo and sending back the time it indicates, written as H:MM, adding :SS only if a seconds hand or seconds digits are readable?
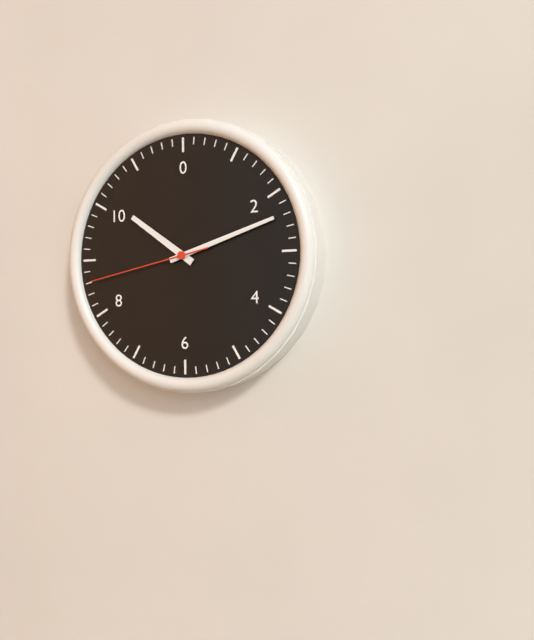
10:12:43
